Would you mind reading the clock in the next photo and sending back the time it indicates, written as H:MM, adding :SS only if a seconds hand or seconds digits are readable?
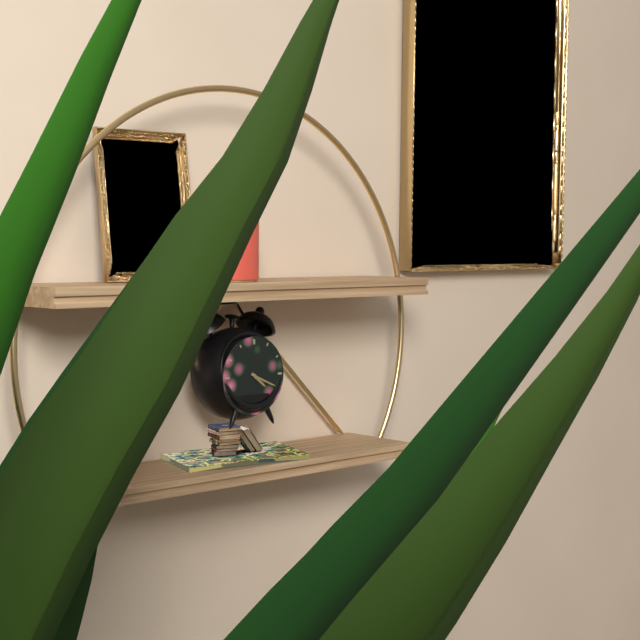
4:19
